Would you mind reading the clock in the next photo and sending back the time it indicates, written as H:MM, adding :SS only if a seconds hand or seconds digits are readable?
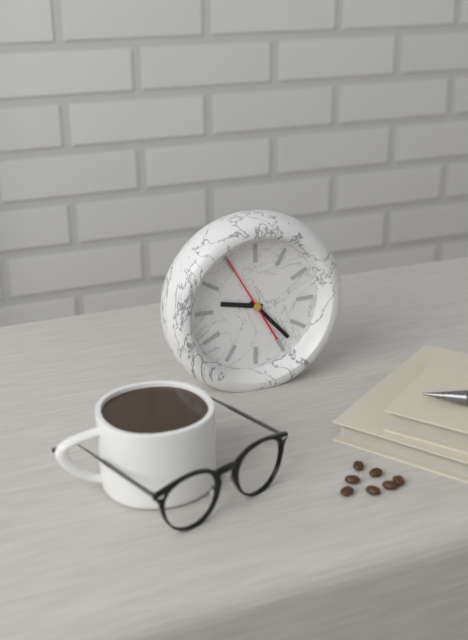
9:23:55
